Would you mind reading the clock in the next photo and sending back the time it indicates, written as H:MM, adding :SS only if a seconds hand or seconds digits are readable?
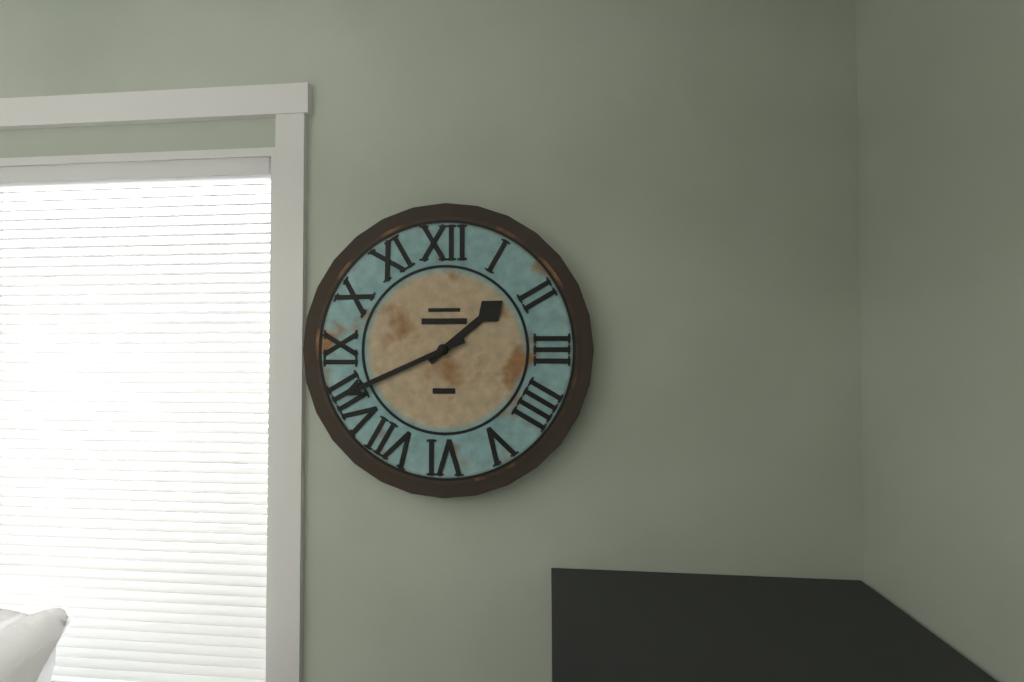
1:41
